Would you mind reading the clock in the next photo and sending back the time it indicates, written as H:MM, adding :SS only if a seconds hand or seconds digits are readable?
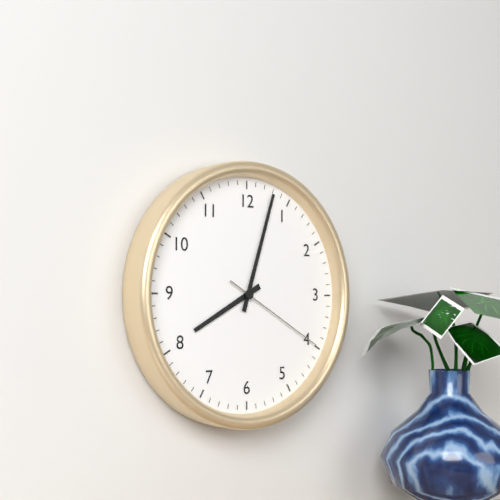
8:03:20
